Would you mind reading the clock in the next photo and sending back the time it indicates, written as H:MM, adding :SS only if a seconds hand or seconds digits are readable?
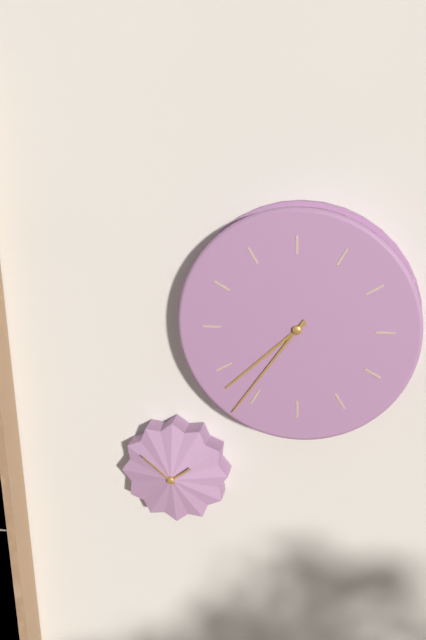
7:36
